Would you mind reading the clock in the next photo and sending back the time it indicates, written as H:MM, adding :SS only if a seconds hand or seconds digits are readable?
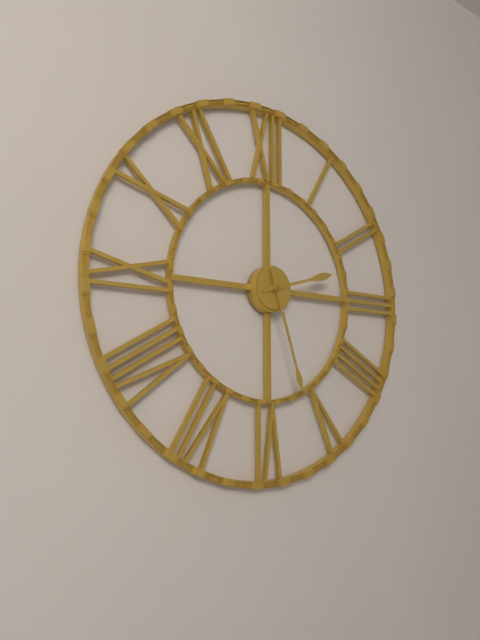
2:27
